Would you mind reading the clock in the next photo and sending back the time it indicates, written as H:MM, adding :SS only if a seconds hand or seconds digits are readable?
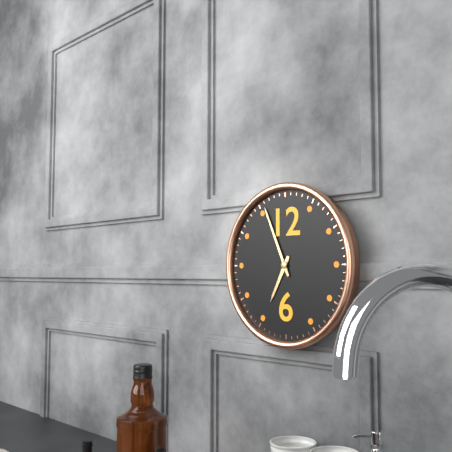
6:56
